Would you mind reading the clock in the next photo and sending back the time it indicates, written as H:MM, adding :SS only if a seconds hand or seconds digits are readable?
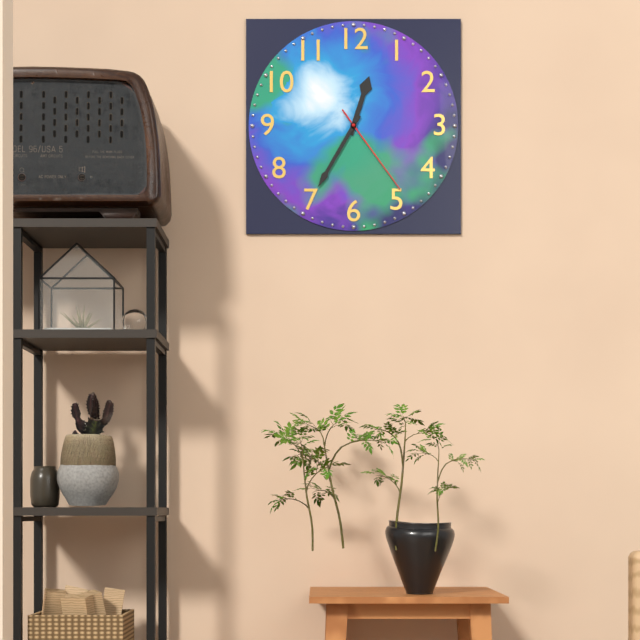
12:35:24
